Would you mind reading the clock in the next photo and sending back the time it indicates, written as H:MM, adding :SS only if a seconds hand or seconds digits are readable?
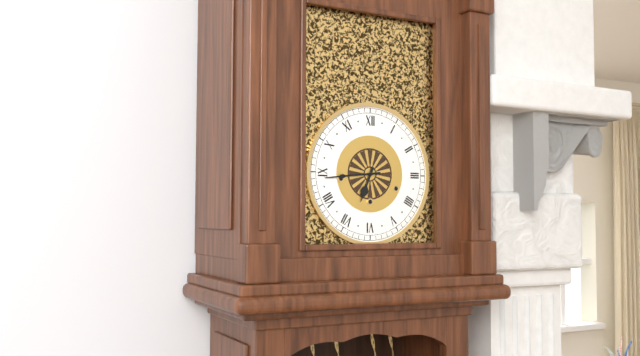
6:44
